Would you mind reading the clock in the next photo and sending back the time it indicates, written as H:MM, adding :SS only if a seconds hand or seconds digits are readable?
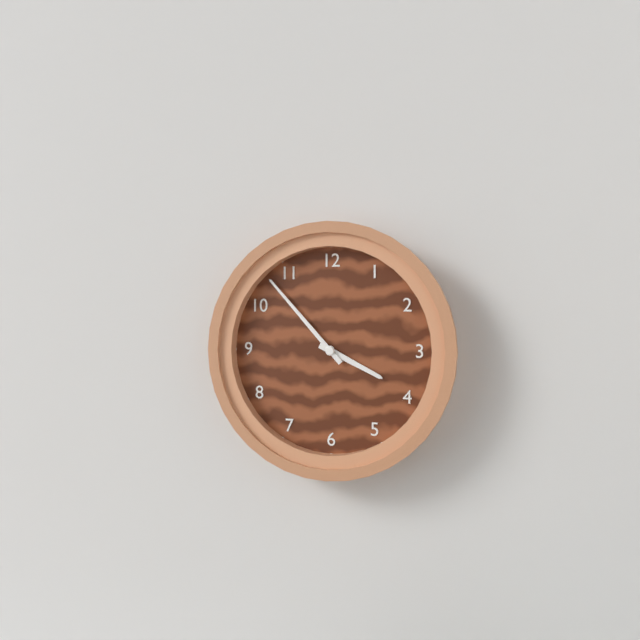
3:53
